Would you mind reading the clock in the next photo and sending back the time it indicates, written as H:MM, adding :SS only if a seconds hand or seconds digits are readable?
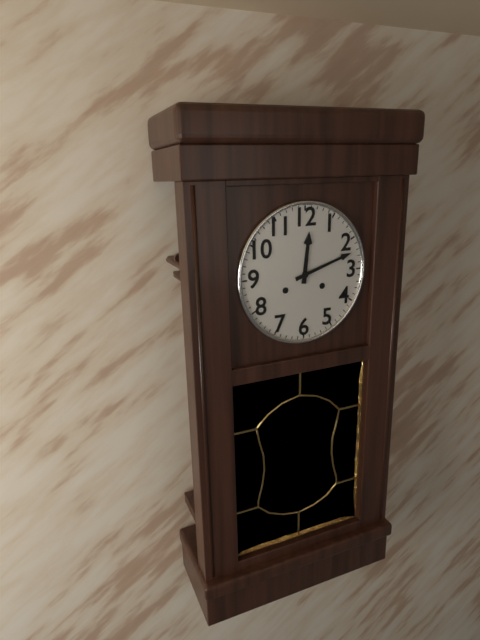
12:12
